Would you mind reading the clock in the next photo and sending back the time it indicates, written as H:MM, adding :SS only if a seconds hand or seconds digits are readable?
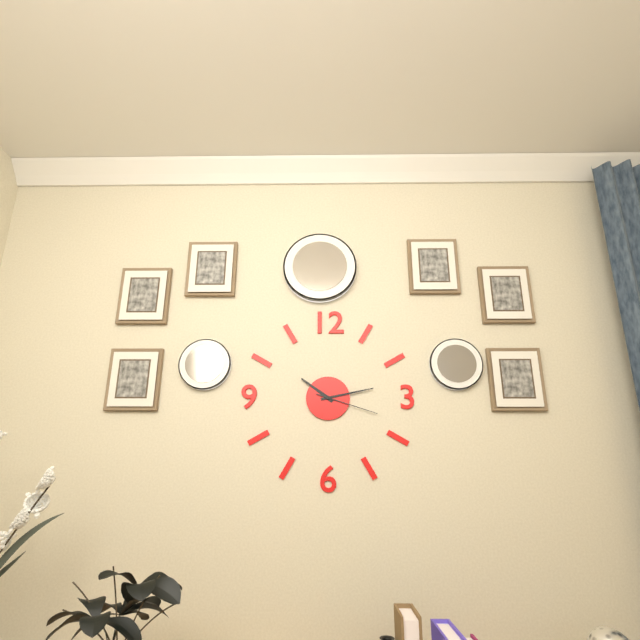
10:13:18
